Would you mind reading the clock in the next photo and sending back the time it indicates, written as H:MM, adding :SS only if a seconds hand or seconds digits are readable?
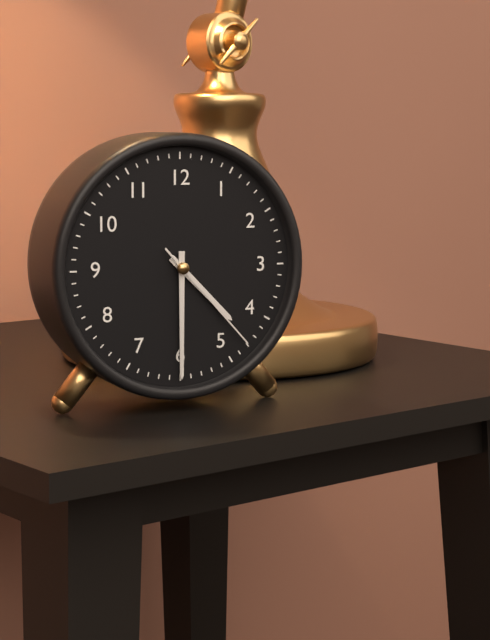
4:30:23
